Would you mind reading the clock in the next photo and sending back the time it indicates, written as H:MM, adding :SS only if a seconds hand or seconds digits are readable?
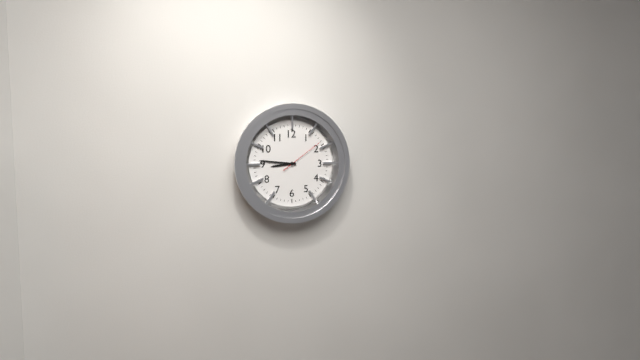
8:46
